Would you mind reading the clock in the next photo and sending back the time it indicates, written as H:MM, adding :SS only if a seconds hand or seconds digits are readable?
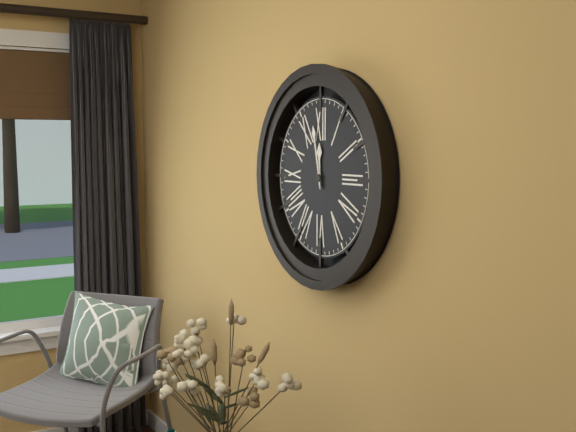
11:58
